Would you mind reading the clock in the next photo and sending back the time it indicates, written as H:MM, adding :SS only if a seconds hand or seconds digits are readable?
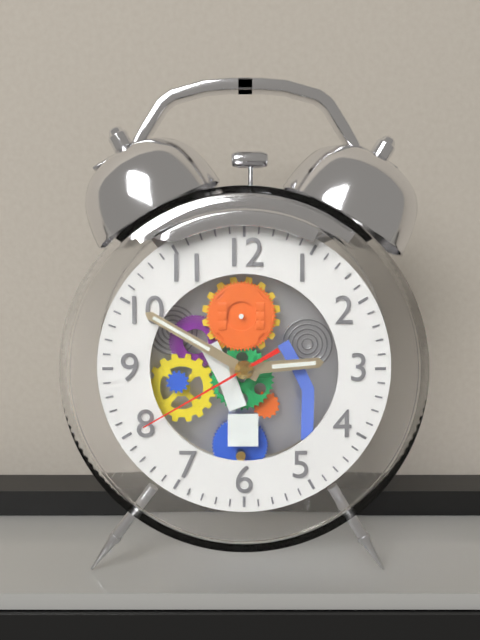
2:50:40
